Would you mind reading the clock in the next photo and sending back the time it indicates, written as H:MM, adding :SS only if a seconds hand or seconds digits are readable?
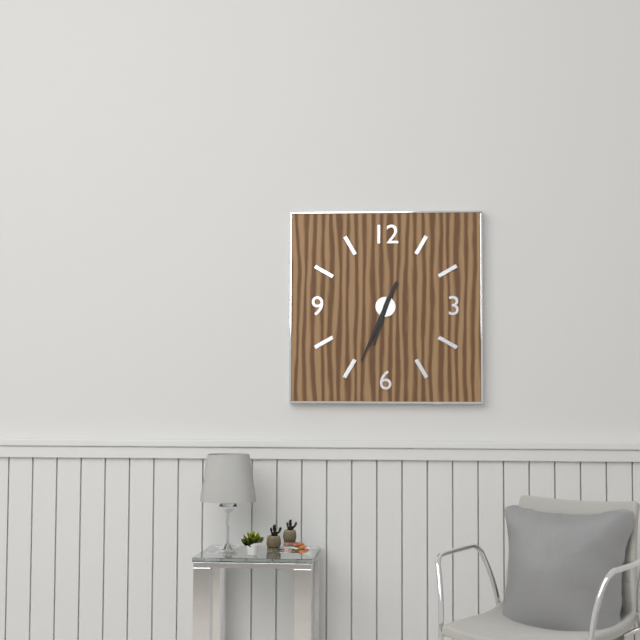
6:34
